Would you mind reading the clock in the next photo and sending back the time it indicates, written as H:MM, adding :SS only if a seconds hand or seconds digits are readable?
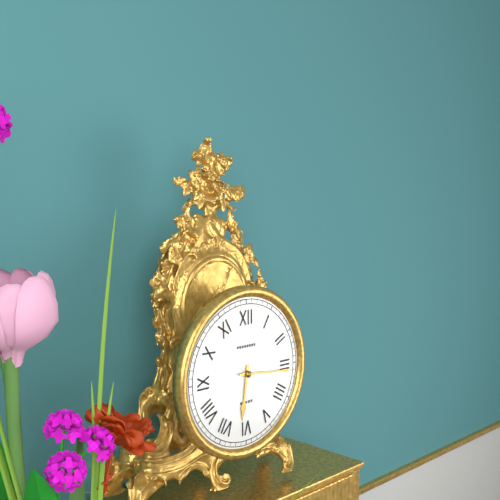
6:16
